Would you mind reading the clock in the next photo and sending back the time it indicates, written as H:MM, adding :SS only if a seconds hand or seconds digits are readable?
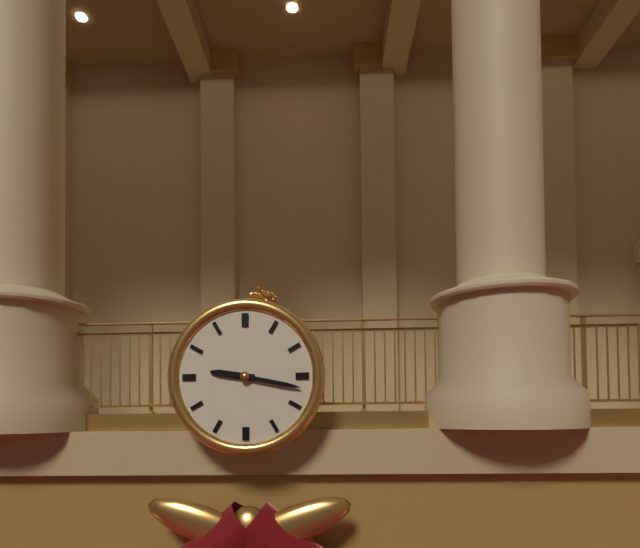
9:17
